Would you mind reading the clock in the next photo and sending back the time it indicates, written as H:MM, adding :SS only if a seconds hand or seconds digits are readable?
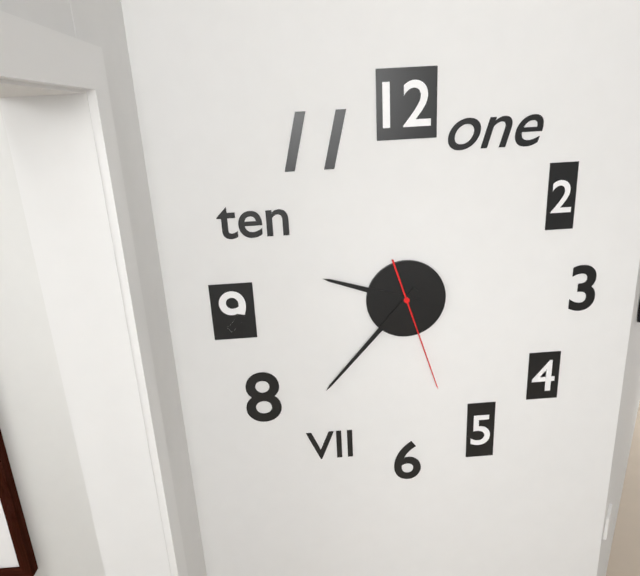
9:37:27
